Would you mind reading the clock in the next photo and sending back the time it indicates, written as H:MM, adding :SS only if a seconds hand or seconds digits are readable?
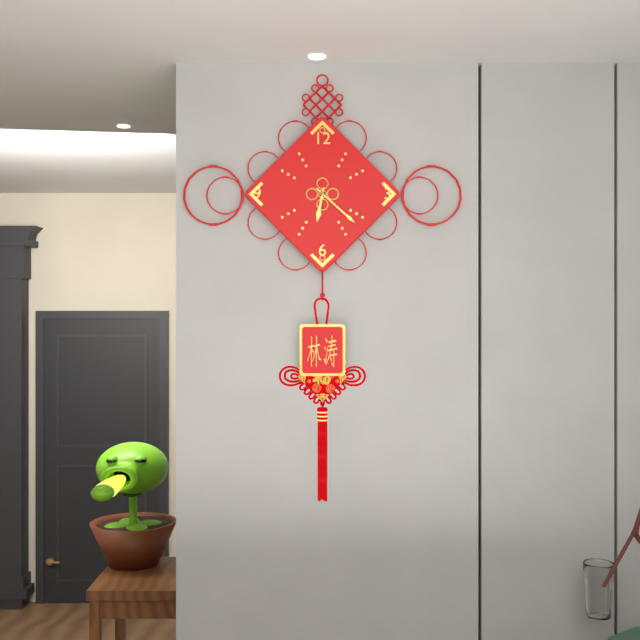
6:22
